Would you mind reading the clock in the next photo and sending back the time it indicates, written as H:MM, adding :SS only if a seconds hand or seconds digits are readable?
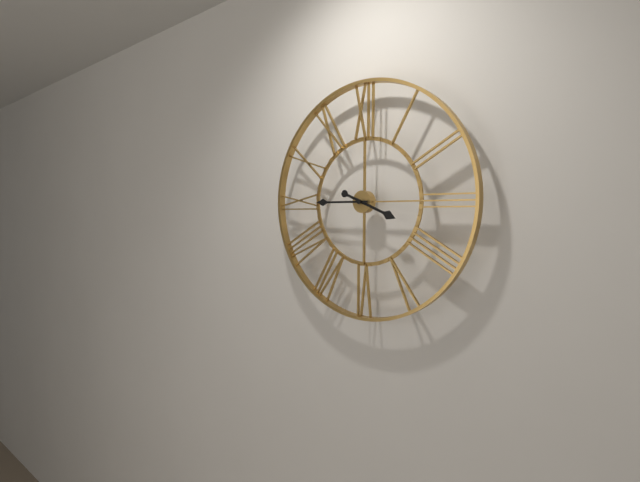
3:45
